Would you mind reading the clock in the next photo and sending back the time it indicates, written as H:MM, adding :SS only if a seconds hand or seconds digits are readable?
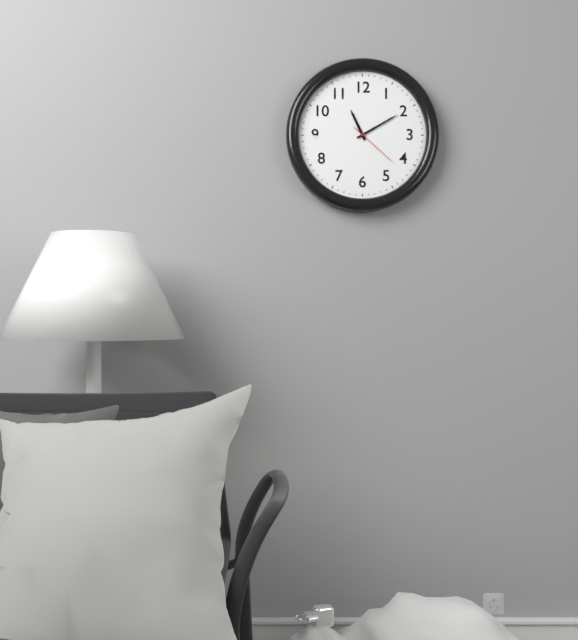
11:10:22
